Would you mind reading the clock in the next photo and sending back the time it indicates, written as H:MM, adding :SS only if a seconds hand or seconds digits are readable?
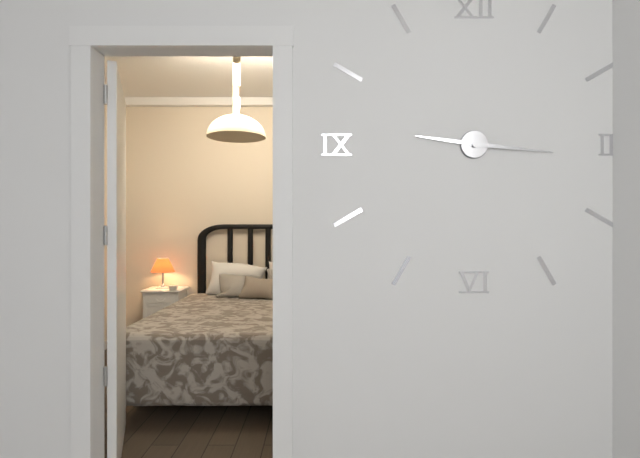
9:16
